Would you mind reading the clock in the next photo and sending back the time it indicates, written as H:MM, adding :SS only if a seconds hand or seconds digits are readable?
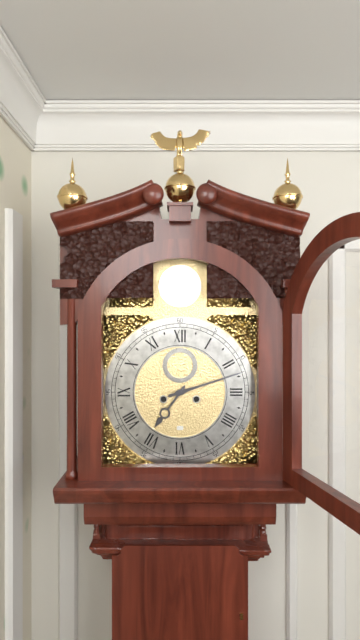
7:12
